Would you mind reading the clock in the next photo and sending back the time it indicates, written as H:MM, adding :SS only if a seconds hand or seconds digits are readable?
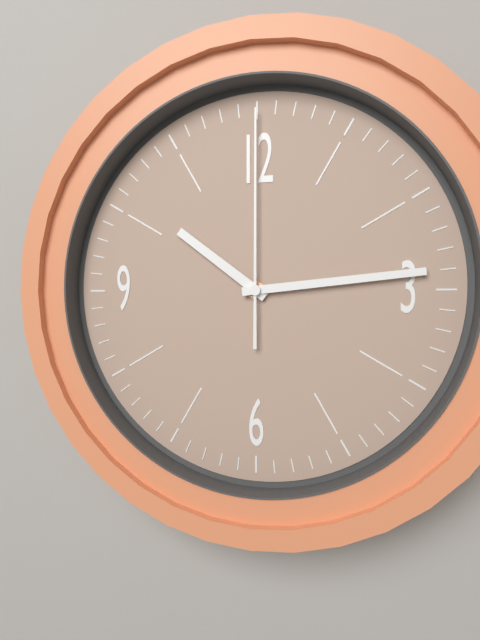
10:14:00
